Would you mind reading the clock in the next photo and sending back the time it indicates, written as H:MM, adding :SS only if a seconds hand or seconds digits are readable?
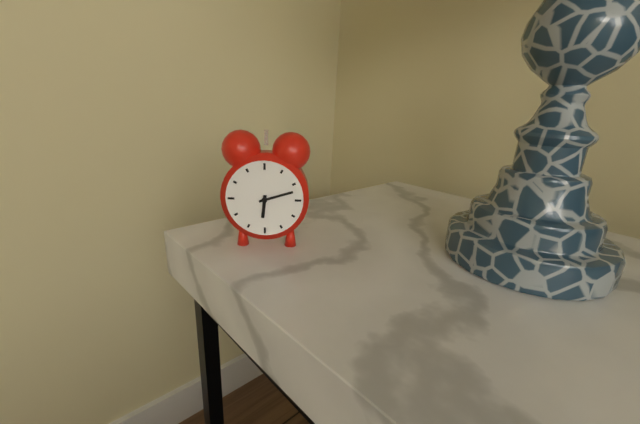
6:12
